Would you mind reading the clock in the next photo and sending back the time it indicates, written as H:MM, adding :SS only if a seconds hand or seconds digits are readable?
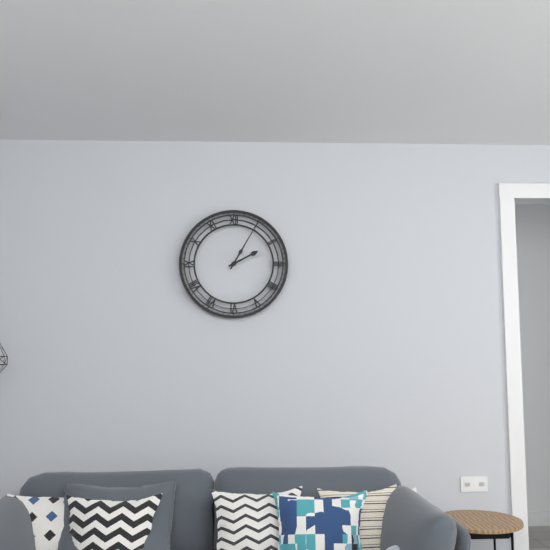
2:05
